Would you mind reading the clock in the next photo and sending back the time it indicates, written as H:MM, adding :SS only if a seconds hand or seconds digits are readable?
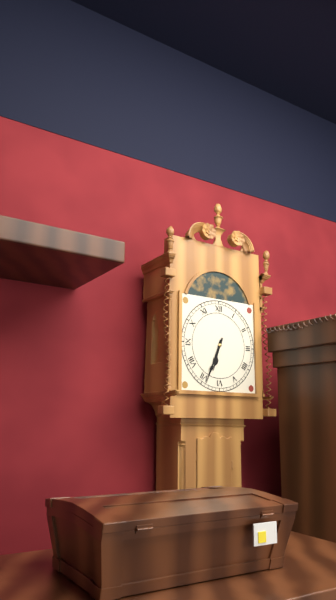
6:34
